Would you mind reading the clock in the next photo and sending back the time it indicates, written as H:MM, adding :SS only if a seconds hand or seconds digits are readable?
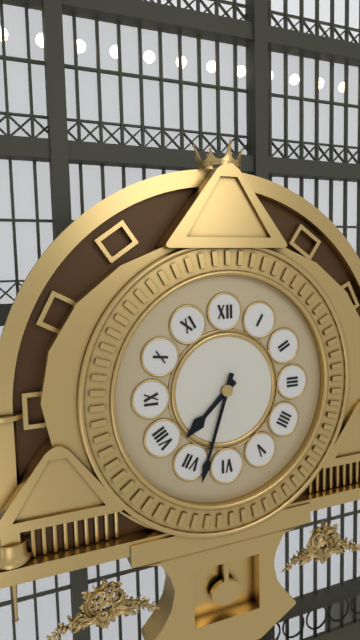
7:33
